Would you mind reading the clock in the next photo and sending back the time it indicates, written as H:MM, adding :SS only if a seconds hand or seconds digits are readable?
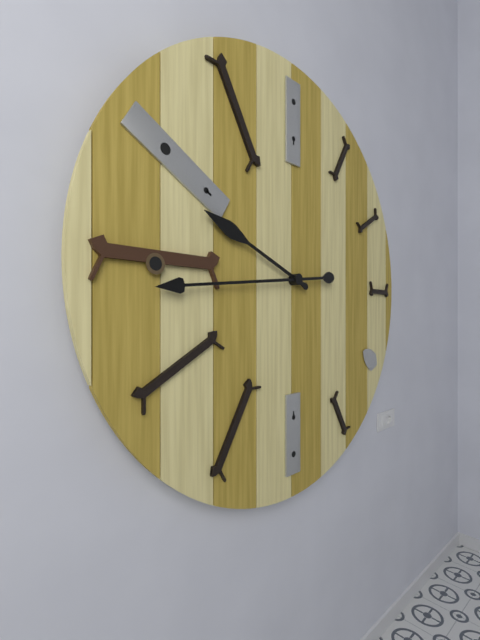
9:44
